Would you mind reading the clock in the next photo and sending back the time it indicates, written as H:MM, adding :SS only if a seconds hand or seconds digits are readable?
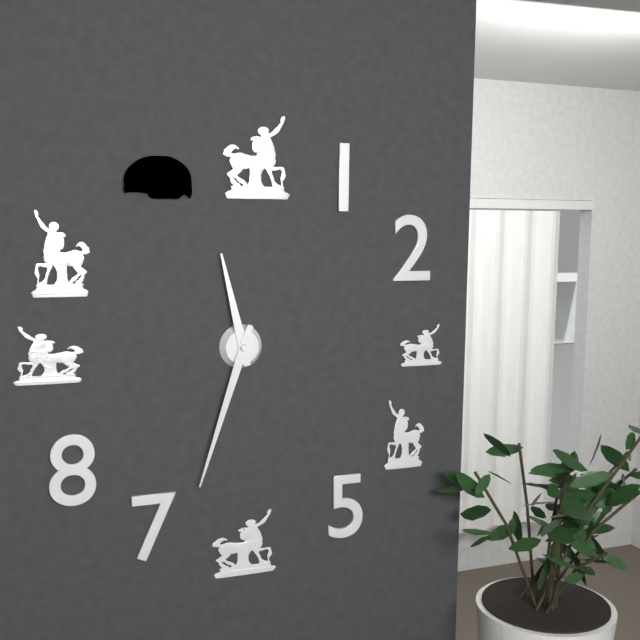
11:33
